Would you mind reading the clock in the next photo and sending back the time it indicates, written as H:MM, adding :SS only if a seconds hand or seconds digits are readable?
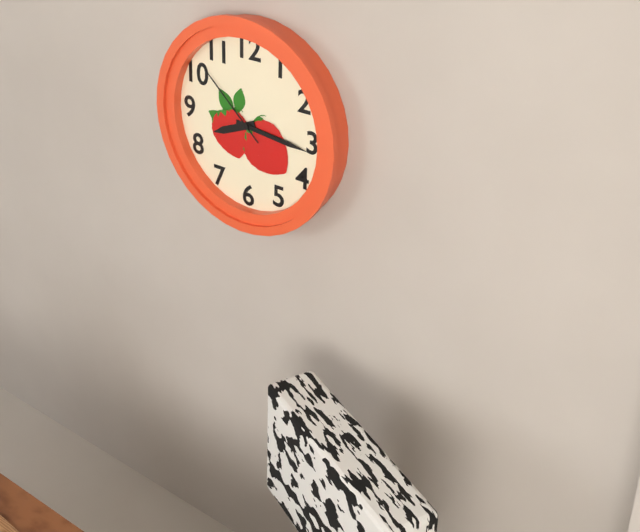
8:16:52
